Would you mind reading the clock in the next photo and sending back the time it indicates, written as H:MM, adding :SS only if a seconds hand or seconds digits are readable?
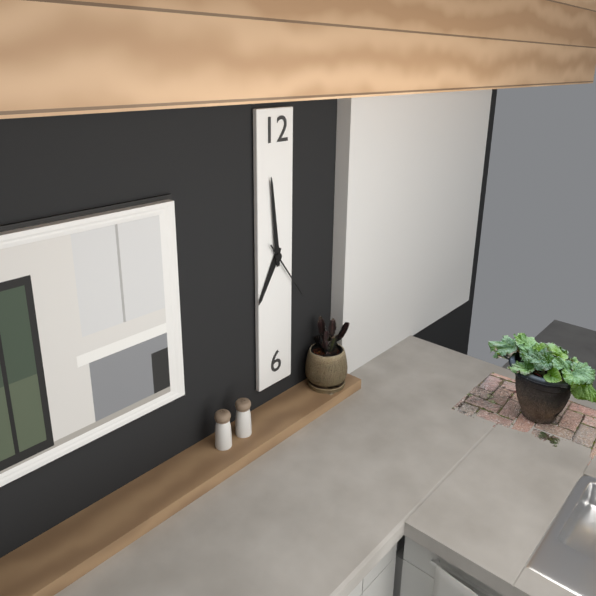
6:59:24
